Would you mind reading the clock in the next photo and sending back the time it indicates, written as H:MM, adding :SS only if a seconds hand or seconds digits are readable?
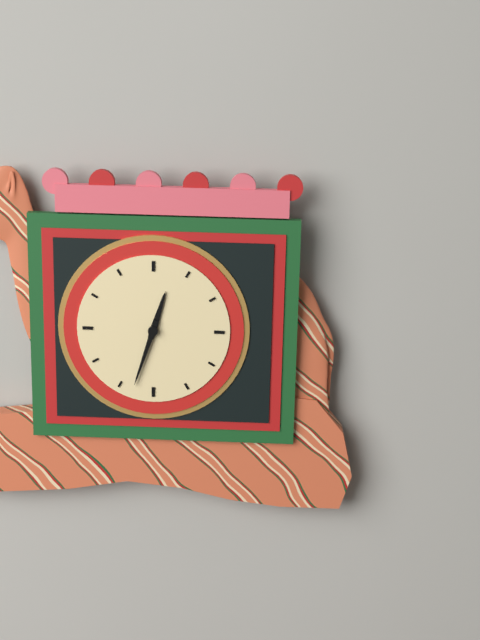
12:33
